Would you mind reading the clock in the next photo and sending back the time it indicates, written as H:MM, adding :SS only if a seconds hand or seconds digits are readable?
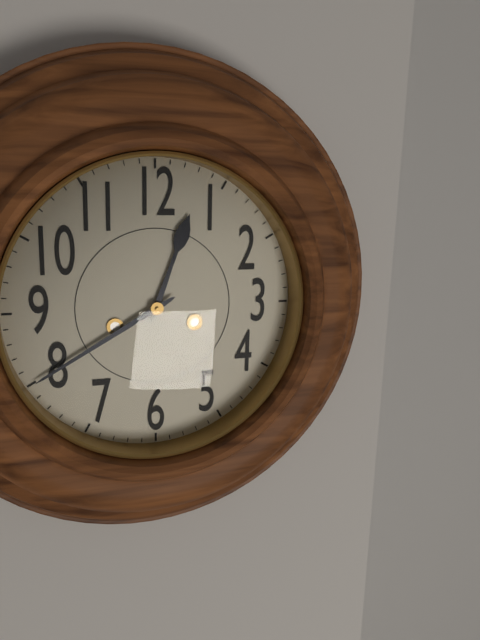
12:40
